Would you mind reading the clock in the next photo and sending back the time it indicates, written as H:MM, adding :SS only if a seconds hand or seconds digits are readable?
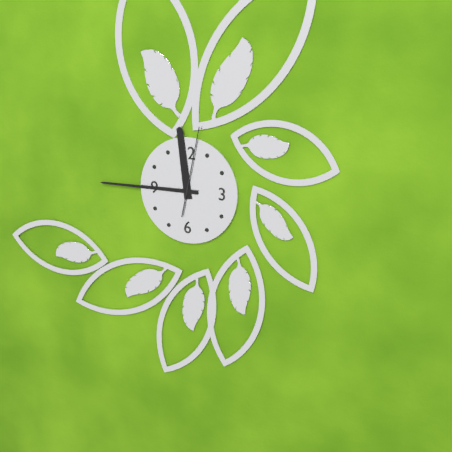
11:45:02
